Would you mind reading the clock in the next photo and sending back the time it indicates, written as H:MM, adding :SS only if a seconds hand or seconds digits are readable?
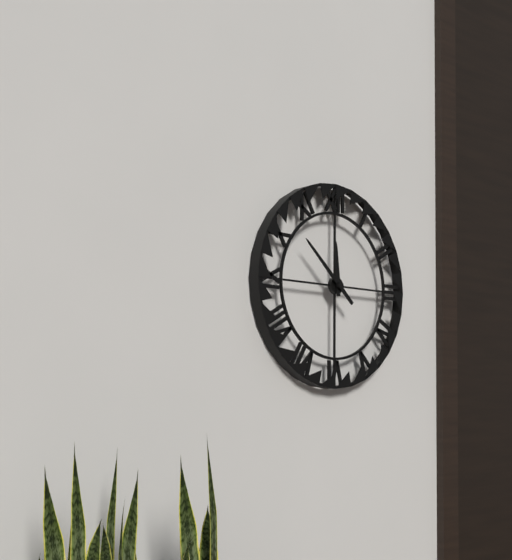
11:52
